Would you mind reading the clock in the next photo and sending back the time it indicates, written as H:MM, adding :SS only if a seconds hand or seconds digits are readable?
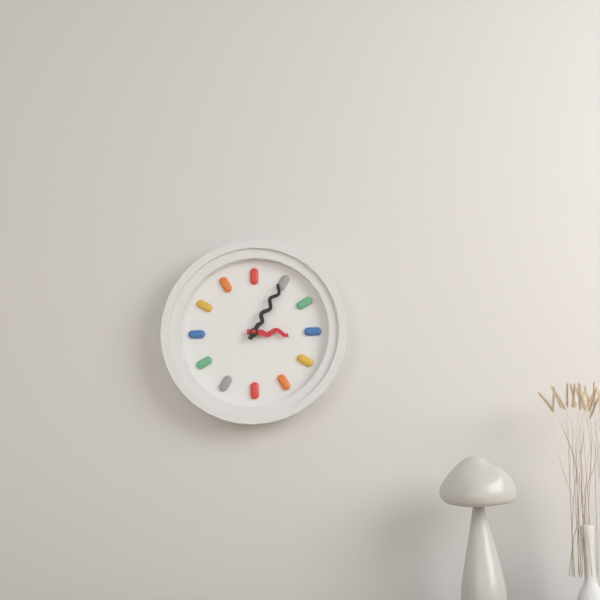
3:05
